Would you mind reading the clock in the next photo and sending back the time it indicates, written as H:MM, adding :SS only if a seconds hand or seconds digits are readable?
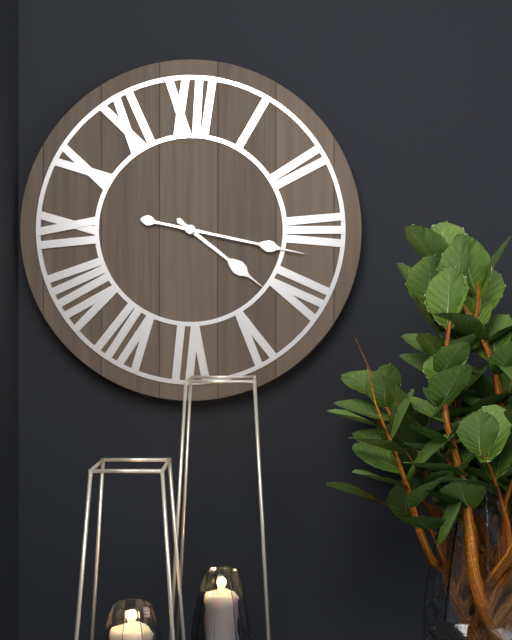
4:17
